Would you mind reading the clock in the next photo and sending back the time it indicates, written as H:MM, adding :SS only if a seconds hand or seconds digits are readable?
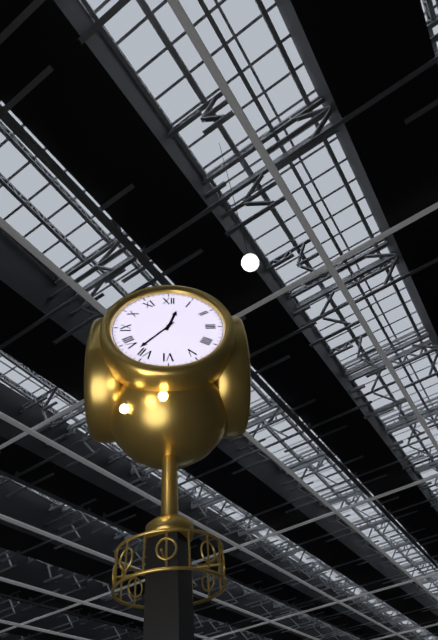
12:37
